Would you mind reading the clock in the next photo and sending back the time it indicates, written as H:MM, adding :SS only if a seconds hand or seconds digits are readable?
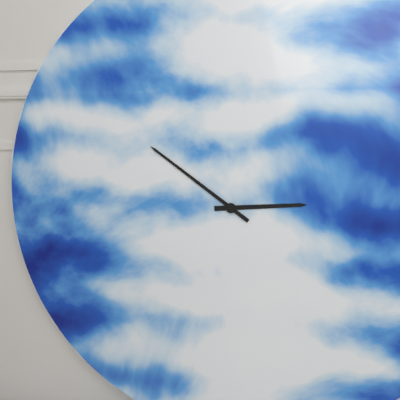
2:51
